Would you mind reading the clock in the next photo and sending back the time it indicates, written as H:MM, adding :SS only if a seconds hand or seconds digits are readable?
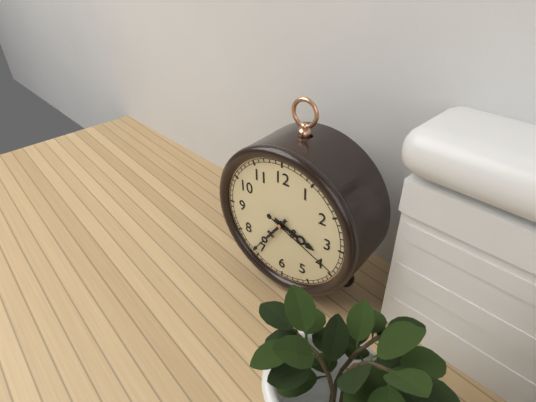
3:36:19
